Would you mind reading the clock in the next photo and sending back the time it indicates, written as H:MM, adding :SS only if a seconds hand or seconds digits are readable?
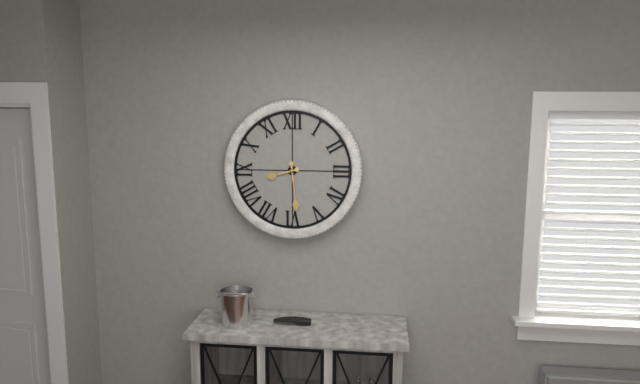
8:29
